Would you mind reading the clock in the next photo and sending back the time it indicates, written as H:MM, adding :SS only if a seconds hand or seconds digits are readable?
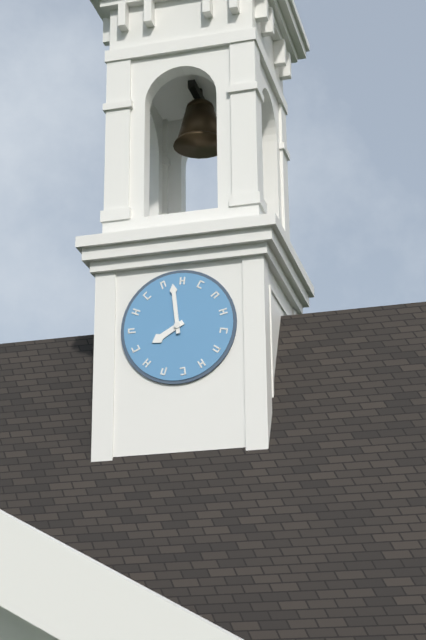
7:59
